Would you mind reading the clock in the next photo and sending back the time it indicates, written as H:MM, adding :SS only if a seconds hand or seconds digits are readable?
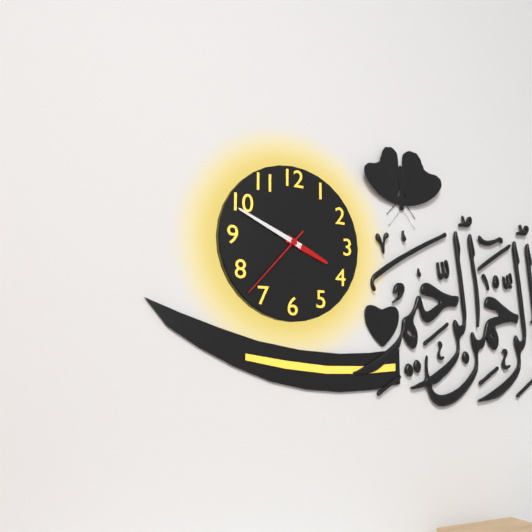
3:49:37
